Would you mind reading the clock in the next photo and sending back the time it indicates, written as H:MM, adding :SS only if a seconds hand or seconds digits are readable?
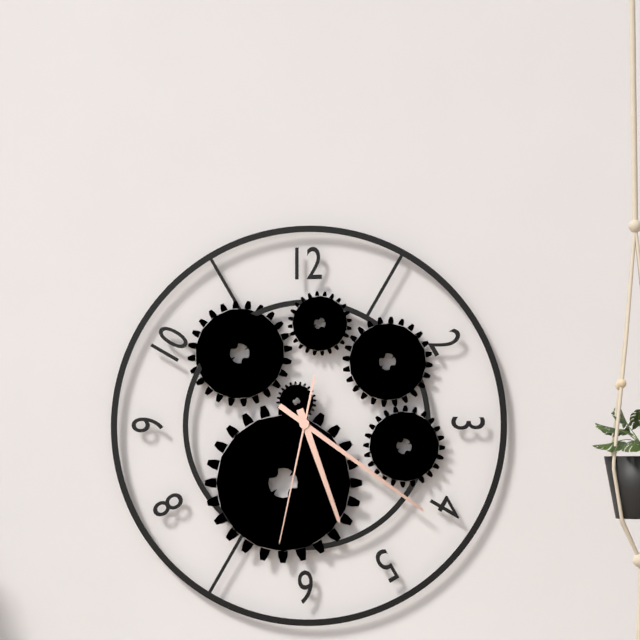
5:21:32
